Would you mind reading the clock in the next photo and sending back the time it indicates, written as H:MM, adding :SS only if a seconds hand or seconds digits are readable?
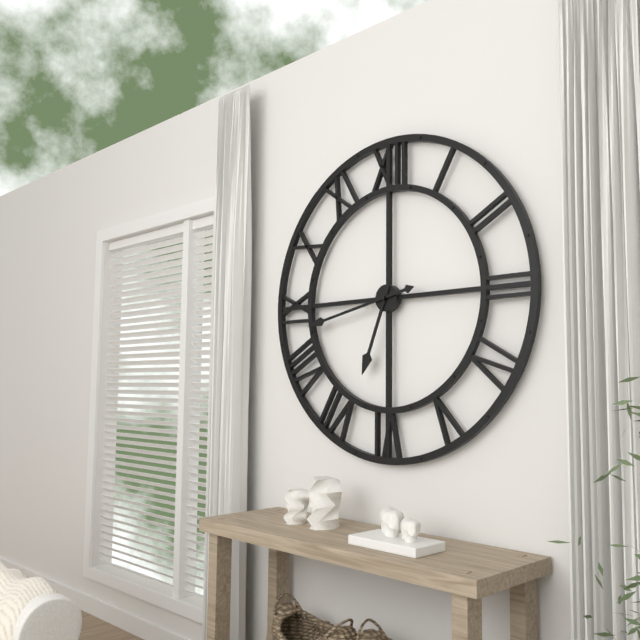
6:43
